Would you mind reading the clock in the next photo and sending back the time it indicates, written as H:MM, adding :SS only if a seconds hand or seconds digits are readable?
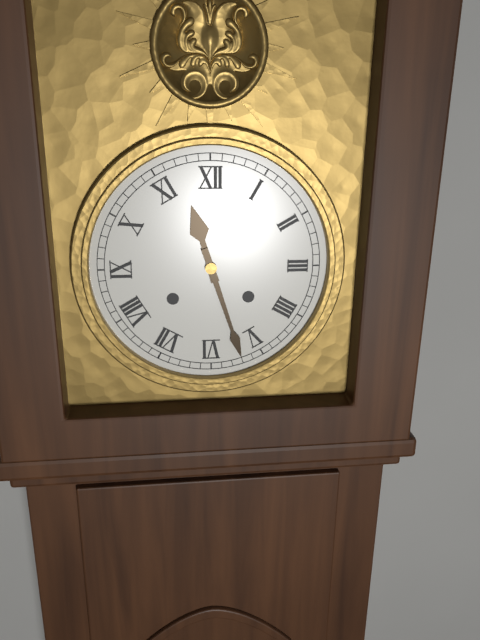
11:27
